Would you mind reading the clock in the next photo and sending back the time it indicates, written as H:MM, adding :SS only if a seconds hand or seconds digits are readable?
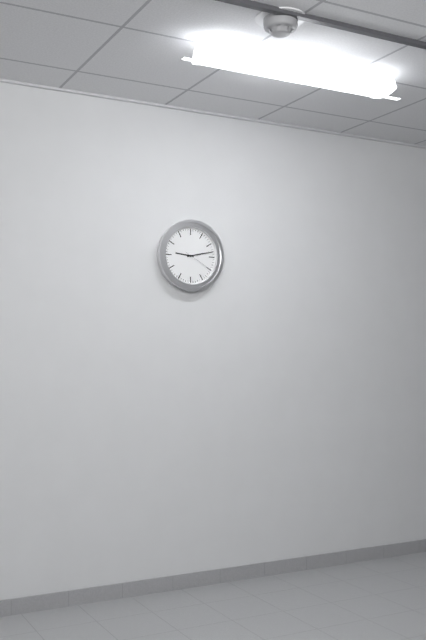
9:13
